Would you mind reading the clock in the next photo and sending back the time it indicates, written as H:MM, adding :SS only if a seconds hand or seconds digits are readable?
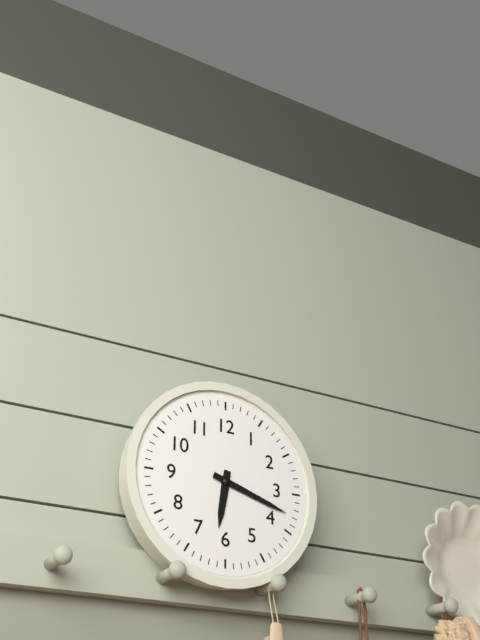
6:18
